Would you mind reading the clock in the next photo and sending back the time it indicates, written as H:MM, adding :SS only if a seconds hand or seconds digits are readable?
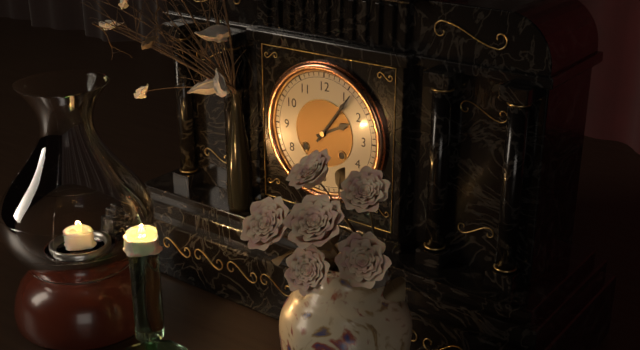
2:06
